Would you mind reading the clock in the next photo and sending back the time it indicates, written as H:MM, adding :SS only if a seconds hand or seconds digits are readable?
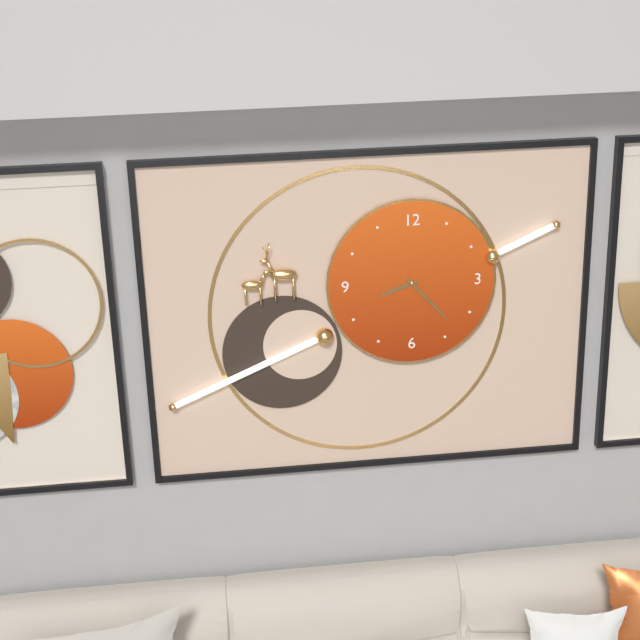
8:23
